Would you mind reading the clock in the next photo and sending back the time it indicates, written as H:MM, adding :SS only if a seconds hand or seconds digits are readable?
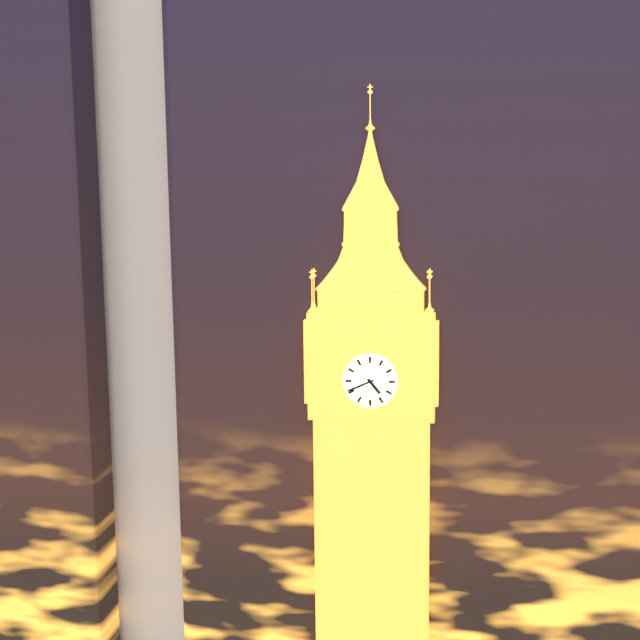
4:41
